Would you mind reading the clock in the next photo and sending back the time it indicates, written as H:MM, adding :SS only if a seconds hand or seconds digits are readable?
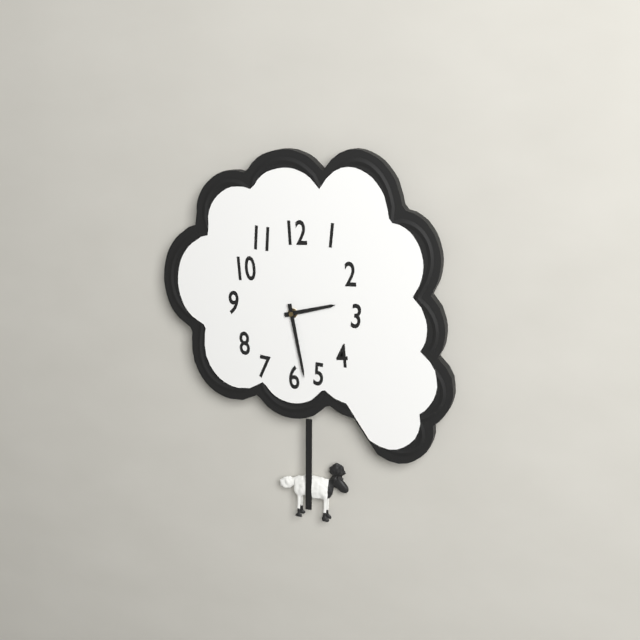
2:28
